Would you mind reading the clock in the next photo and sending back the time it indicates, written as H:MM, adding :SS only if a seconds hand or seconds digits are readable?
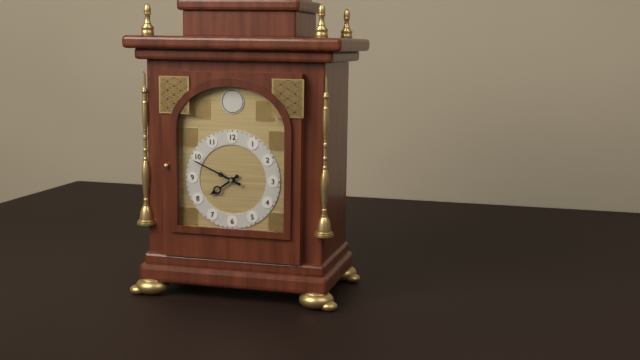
7:49
